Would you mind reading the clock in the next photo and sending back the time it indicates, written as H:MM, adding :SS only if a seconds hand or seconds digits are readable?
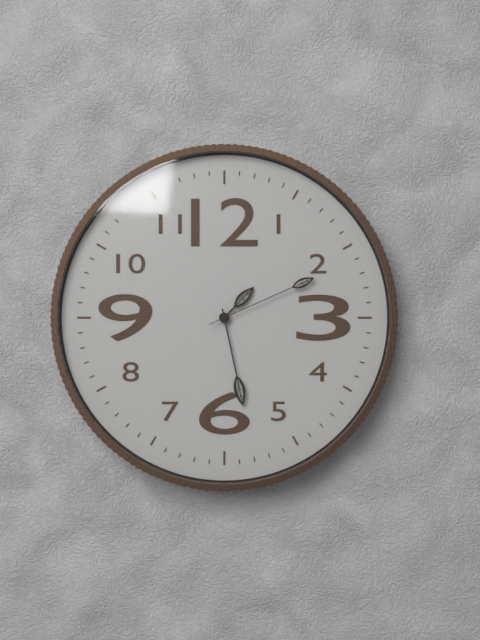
1:28:11
